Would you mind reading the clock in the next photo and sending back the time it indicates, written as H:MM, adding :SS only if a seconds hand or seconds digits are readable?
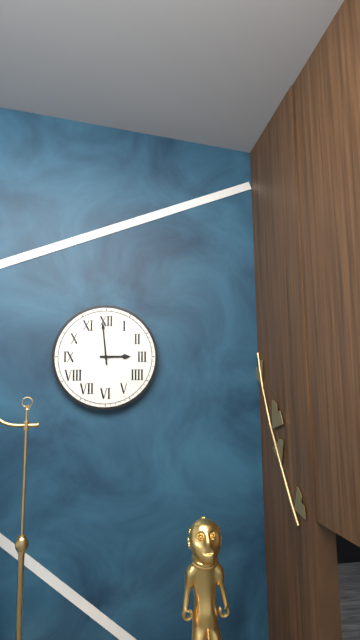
2:59
